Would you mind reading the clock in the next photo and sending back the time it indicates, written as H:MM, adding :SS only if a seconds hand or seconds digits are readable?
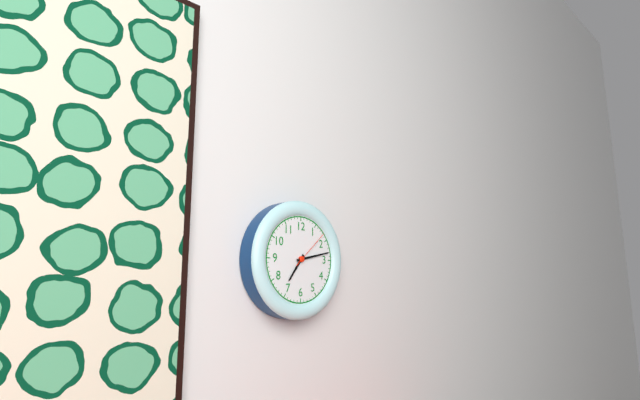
7:13:08
